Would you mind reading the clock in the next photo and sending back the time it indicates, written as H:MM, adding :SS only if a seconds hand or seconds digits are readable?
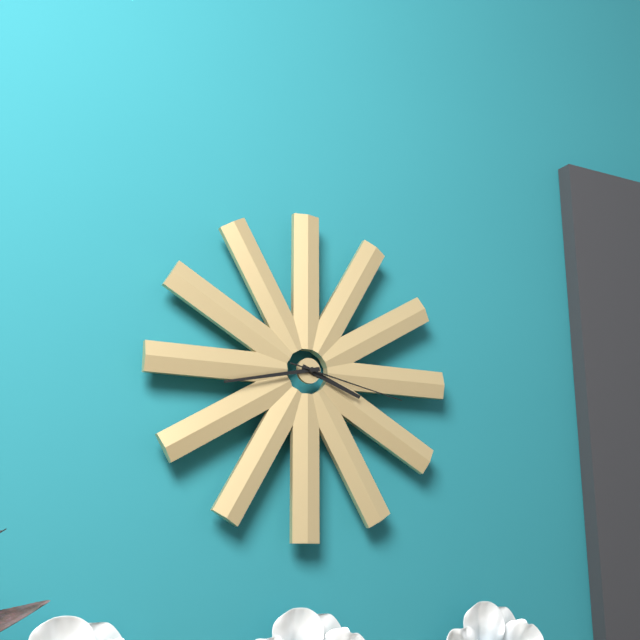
3:43:17
